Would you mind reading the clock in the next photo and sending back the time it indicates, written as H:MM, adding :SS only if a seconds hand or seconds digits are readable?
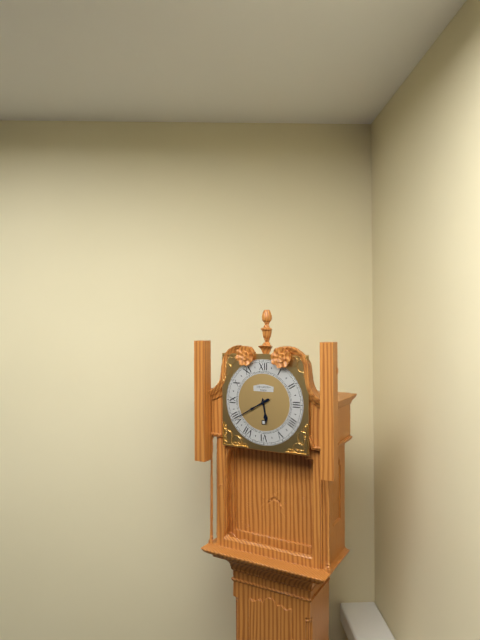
5:40
